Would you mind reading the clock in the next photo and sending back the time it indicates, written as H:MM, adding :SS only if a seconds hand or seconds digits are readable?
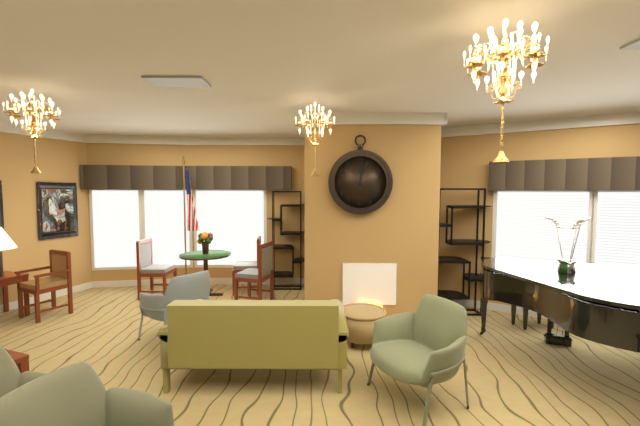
12:03
